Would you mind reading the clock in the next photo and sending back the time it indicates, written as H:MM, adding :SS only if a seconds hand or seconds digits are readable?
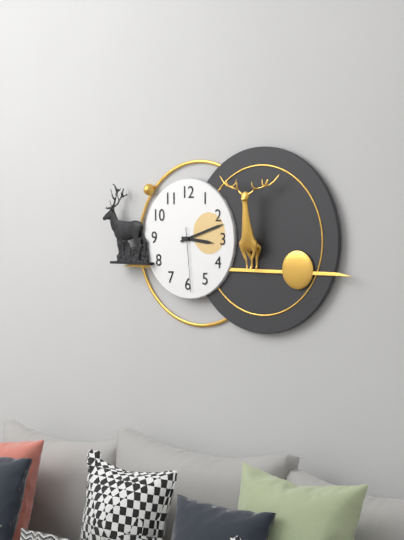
3:12:29
